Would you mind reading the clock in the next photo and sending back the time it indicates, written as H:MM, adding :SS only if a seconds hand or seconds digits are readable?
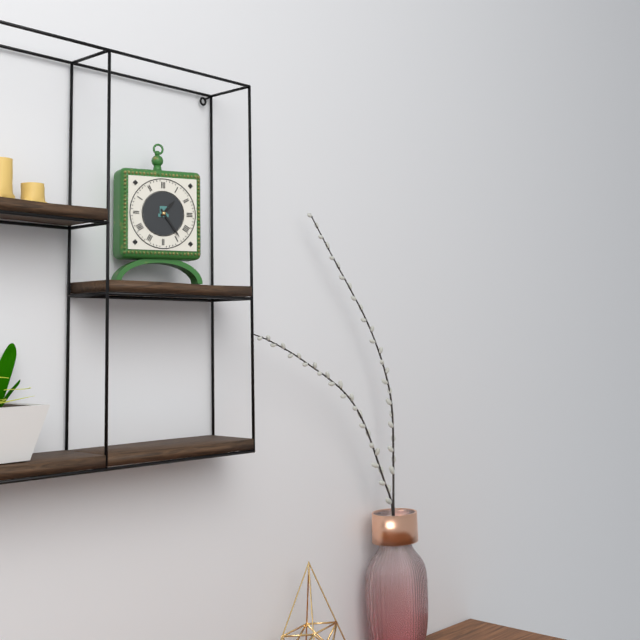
1:24
